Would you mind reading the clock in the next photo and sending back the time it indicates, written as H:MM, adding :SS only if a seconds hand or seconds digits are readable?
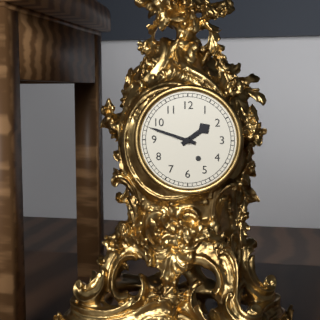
1:48
